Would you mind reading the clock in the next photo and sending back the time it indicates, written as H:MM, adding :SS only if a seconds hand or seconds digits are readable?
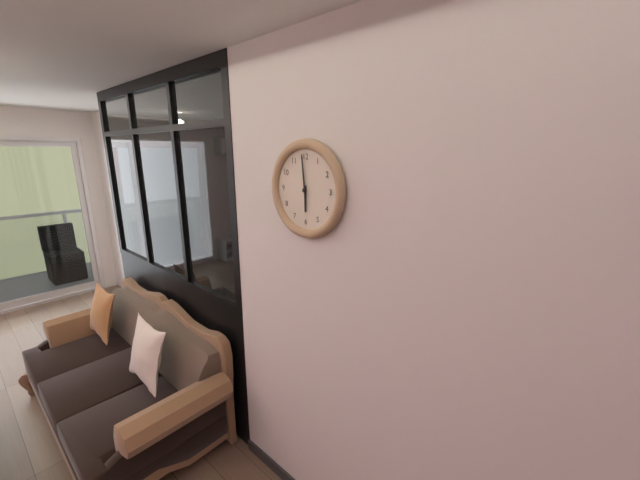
5:59
